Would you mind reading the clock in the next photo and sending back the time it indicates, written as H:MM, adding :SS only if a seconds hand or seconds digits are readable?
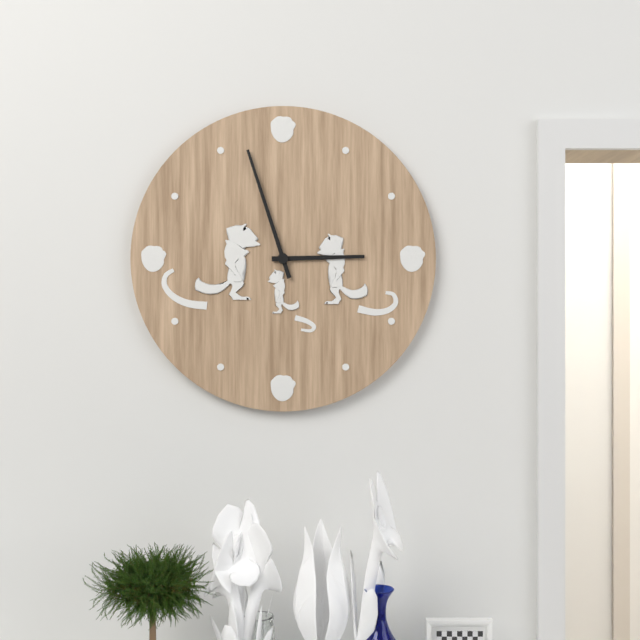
2:57
